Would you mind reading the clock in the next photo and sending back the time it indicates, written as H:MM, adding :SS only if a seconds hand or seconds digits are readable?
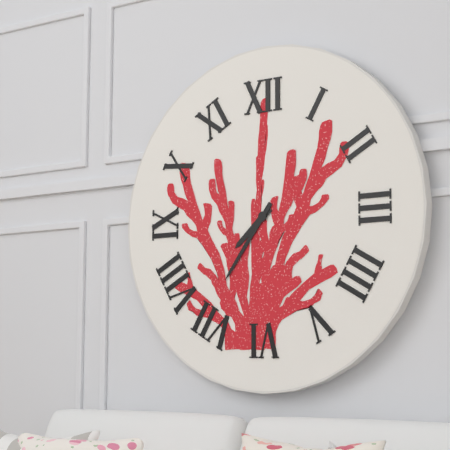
7:36
